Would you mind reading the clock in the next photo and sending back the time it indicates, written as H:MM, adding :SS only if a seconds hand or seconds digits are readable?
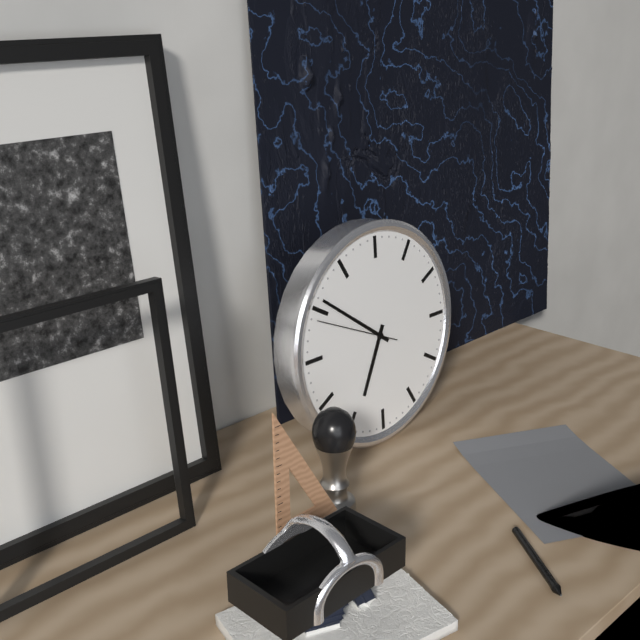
6:51:49
